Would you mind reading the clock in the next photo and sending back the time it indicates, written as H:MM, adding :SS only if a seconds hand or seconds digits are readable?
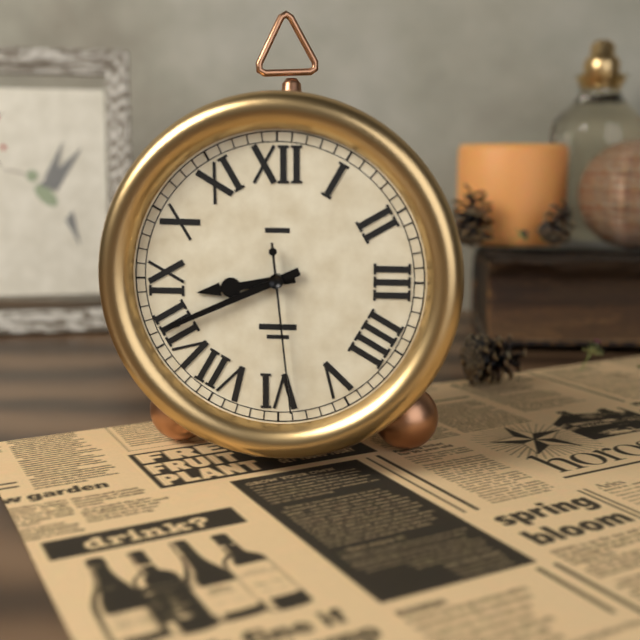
8:41:29
